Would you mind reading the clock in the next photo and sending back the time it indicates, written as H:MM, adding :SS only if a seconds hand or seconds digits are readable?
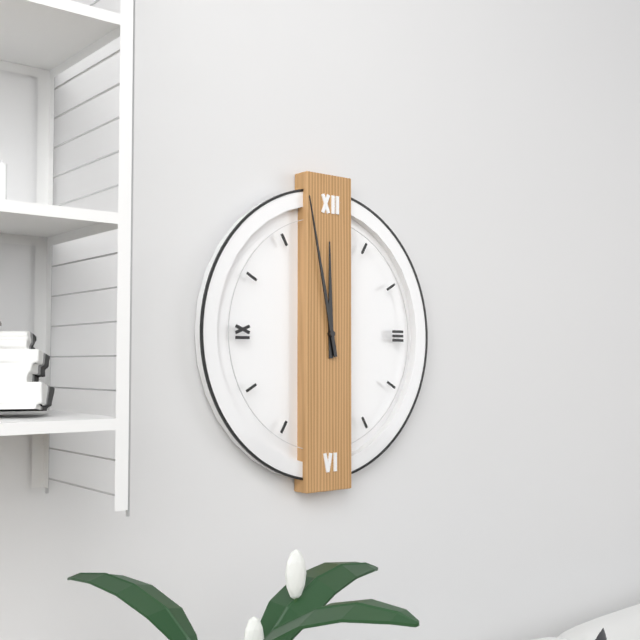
11:58
